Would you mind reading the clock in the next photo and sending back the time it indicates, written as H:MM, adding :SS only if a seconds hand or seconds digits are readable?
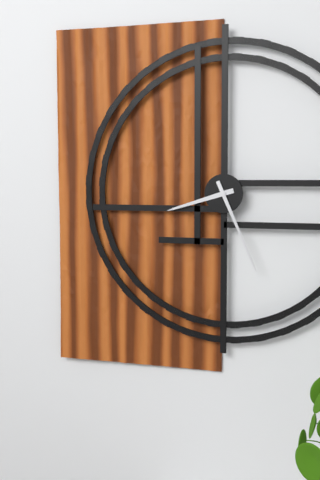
8:26
